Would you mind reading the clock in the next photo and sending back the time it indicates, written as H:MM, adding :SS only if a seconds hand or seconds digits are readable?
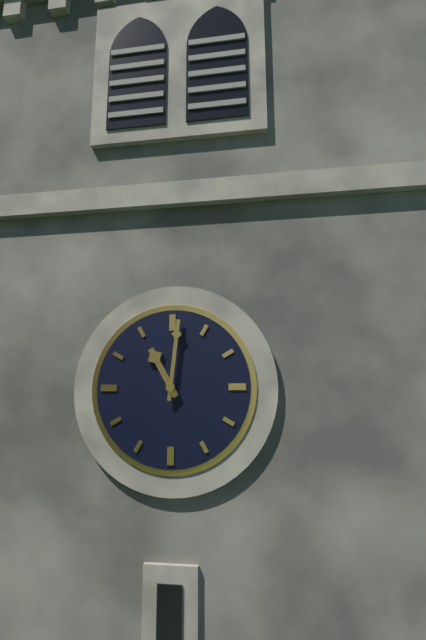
11:01
